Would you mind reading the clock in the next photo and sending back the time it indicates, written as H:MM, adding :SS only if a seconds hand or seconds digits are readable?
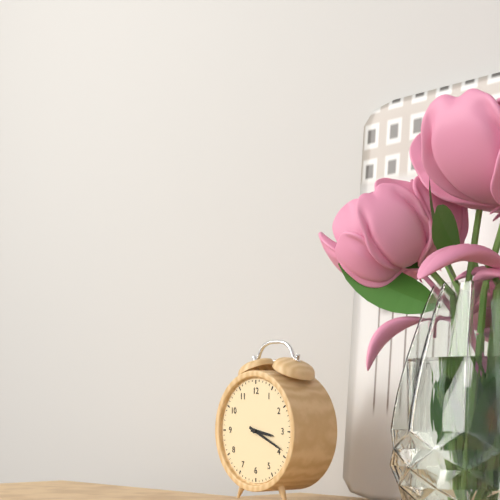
3:19
